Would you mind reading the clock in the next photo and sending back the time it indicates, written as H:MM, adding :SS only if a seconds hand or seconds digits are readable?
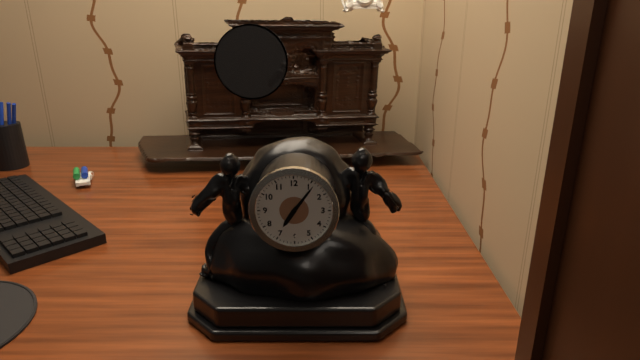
7:06
